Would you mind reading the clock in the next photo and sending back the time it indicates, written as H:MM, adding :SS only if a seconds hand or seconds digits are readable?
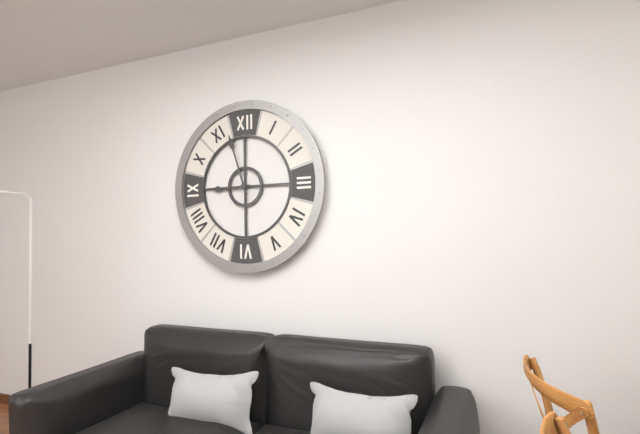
8:57
